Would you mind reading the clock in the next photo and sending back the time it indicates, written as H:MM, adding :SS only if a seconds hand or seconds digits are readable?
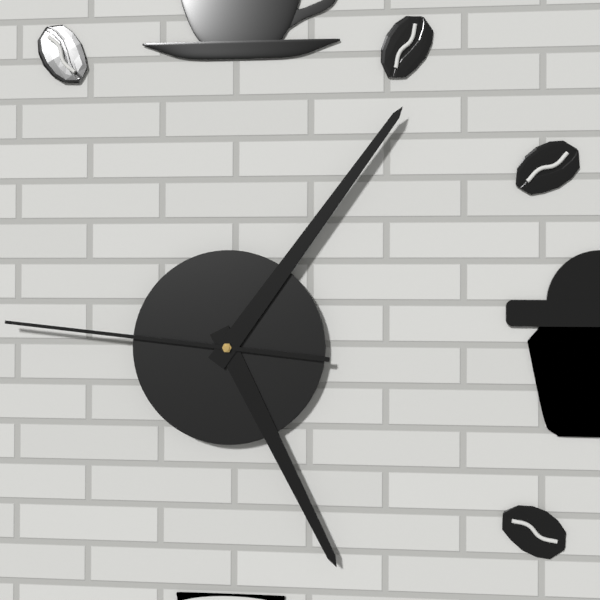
5:06:46
